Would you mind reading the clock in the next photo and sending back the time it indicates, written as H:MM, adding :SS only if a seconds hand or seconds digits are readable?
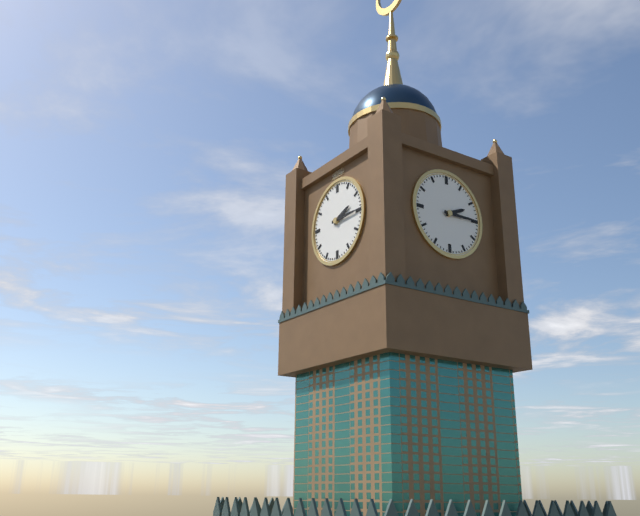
2:15
